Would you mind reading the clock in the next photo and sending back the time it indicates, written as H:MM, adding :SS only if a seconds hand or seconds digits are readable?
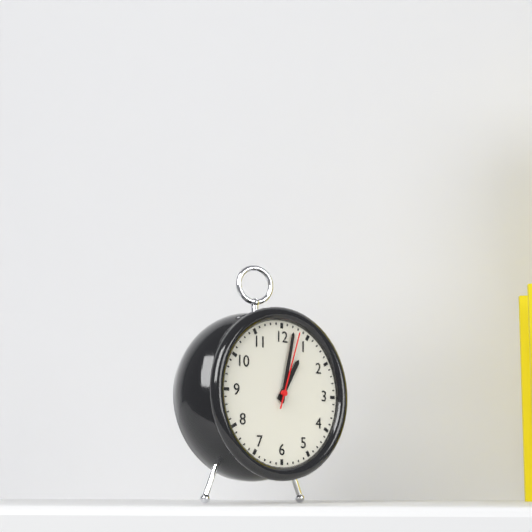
1:02:03
